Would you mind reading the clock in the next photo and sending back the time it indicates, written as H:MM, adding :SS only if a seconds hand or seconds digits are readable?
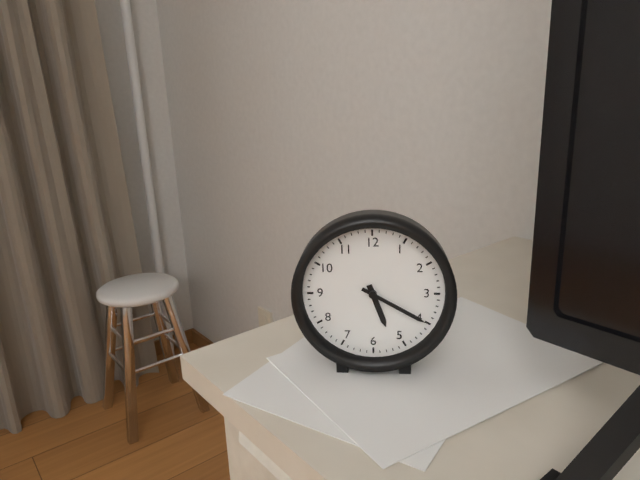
5:20
